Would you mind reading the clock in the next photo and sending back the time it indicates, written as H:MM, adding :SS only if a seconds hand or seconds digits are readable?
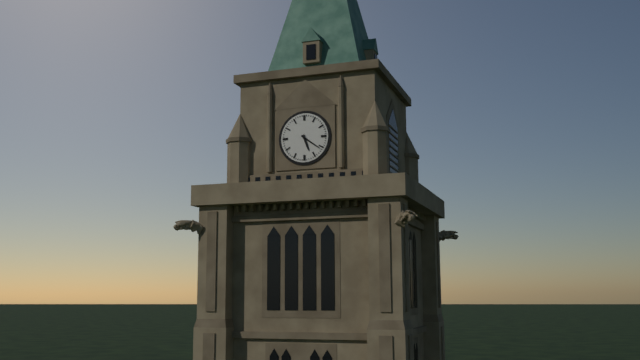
5:21
